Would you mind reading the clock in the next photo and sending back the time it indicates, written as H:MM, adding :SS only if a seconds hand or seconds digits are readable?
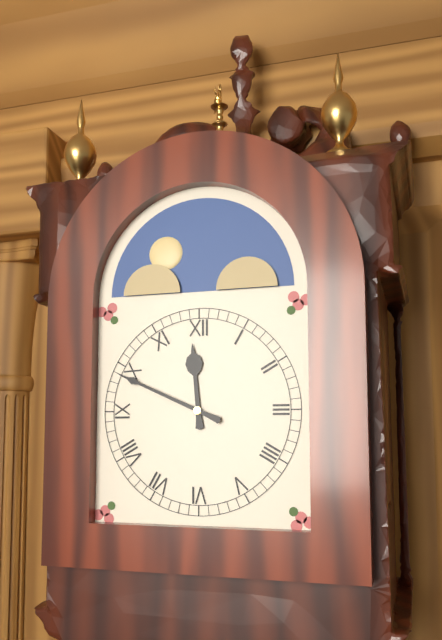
11:49
